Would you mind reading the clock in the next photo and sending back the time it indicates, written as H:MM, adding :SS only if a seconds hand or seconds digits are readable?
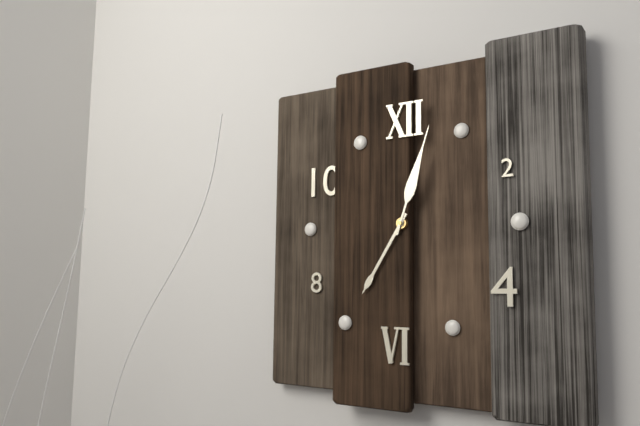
7:03
